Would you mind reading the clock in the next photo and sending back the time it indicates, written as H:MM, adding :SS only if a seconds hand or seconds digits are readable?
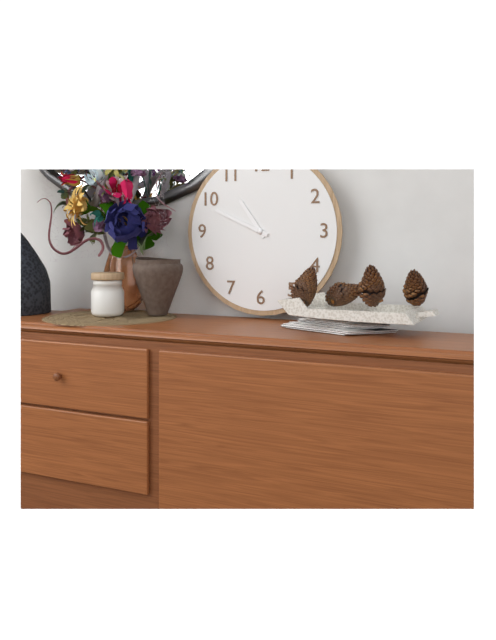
10:49
